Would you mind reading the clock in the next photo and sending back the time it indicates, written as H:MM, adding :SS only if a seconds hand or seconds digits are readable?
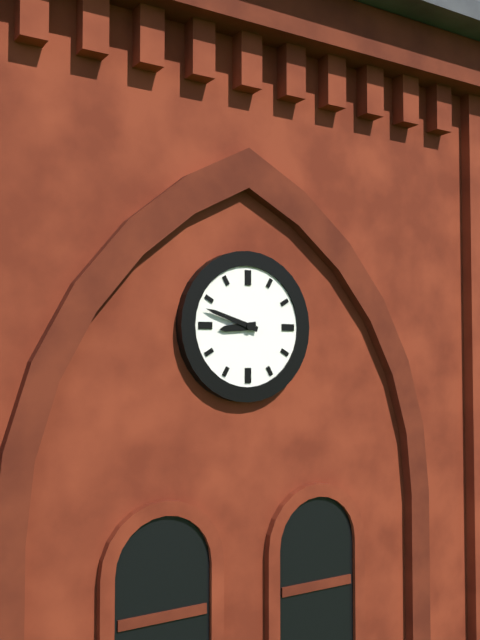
8:48
